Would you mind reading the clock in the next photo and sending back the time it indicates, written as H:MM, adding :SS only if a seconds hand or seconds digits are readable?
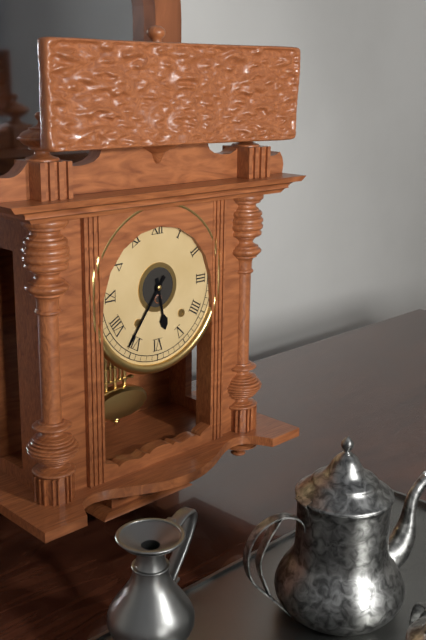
5:36
